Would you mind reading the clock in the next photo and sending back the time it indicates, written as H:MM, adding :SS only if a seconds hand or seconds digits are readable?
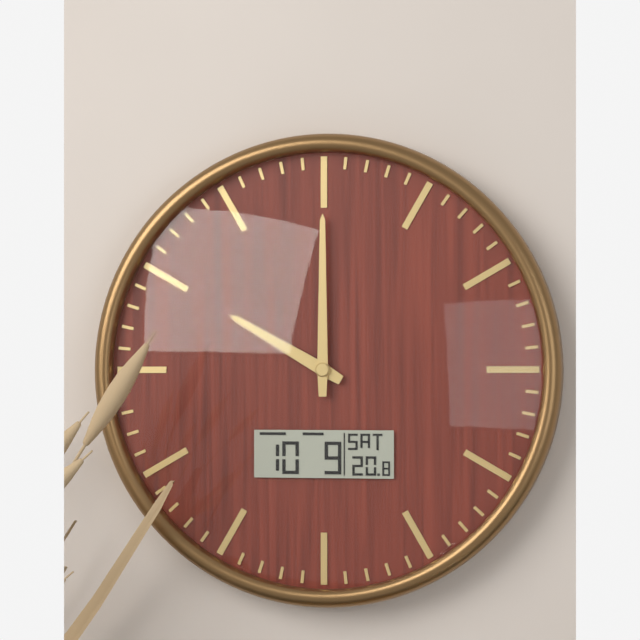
10:00
